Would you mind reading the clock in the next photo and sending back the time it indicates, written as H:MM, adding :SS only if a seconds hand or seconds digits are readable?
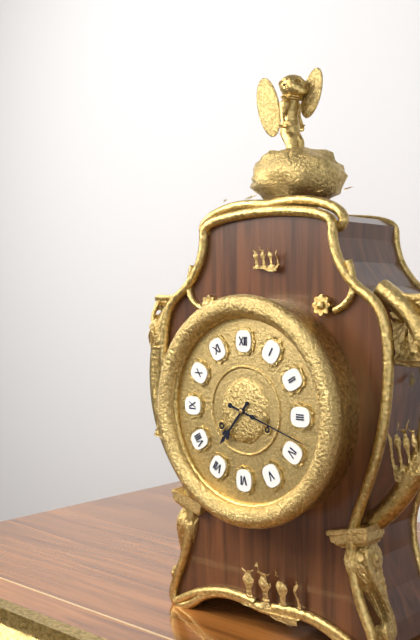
7:18
